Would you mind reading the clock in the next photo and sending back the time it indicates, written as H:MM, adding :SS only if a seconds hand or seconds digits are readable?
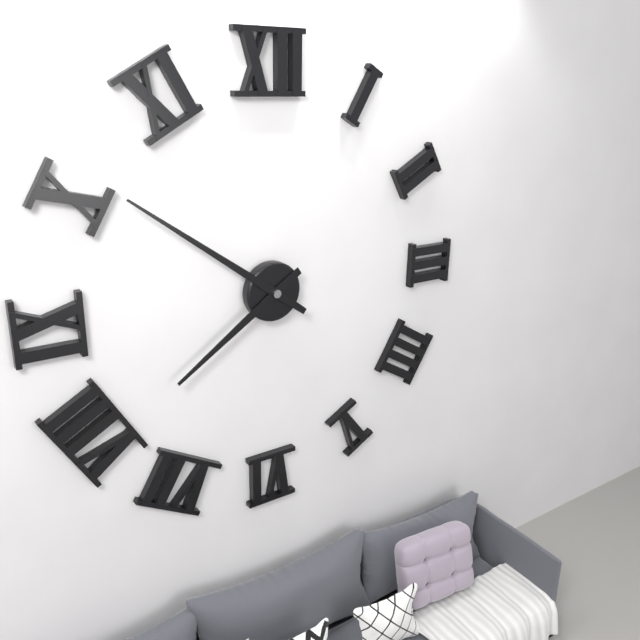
7:51
